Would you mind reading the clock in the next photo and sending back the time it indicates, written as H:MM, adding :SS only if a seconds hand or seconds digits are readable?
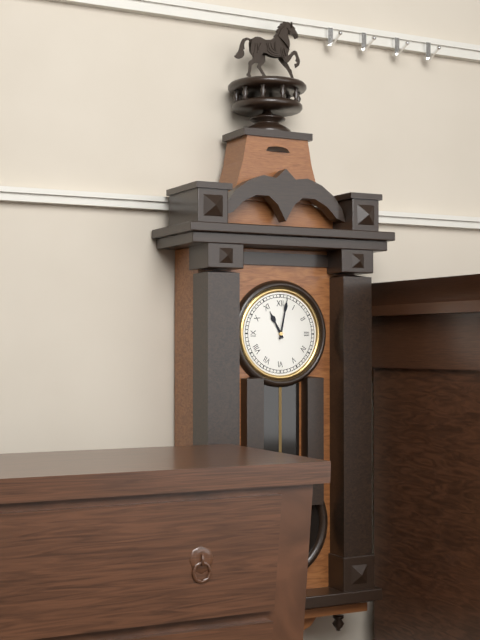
11:02
